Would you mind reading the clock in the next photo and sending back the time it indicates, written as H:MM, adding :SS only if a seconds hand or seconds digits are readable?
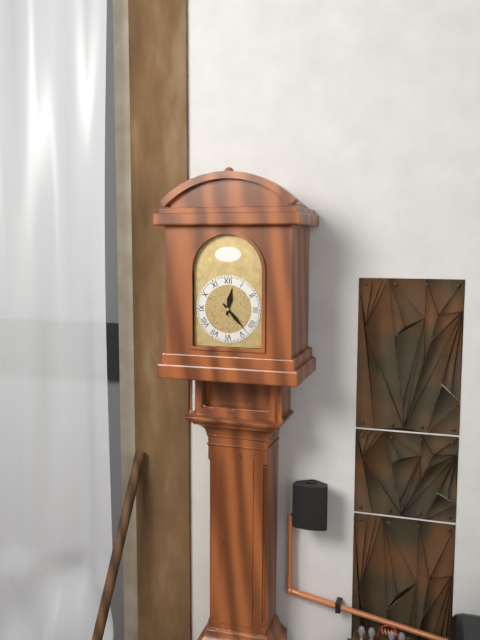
12:23
